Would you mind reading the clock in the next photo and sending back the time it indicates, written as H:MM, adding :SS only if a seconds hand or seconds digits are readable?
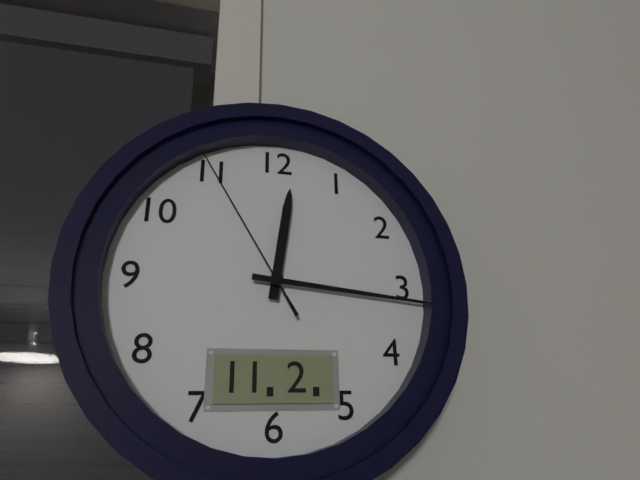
12:16:55
